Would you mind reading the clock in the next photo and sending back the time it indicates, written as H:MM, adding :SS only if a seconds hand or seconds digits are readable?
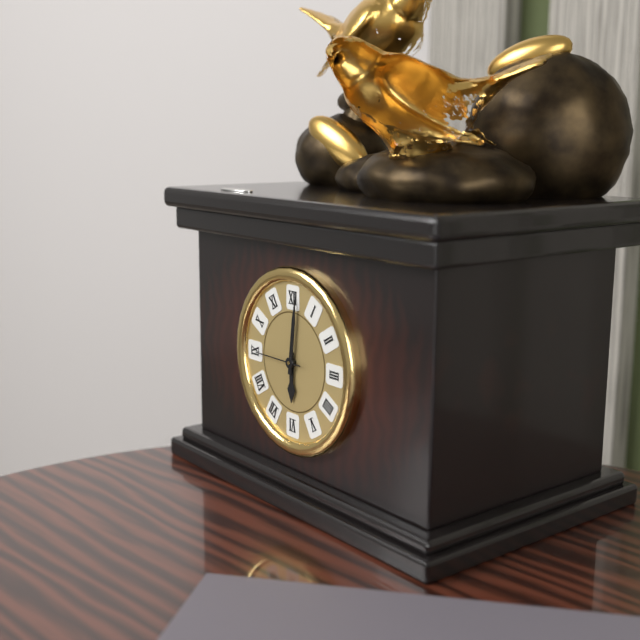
6:01
